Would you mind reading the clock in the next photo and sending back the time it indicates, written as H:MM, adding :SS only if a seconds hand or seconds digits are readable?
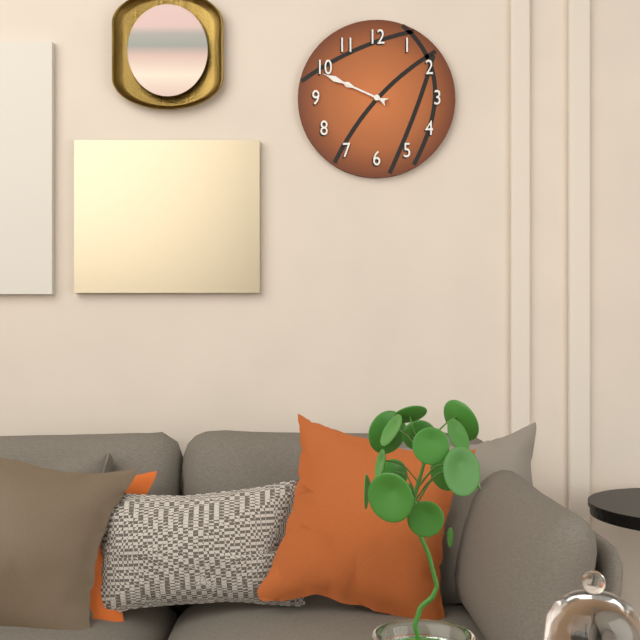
9:49
